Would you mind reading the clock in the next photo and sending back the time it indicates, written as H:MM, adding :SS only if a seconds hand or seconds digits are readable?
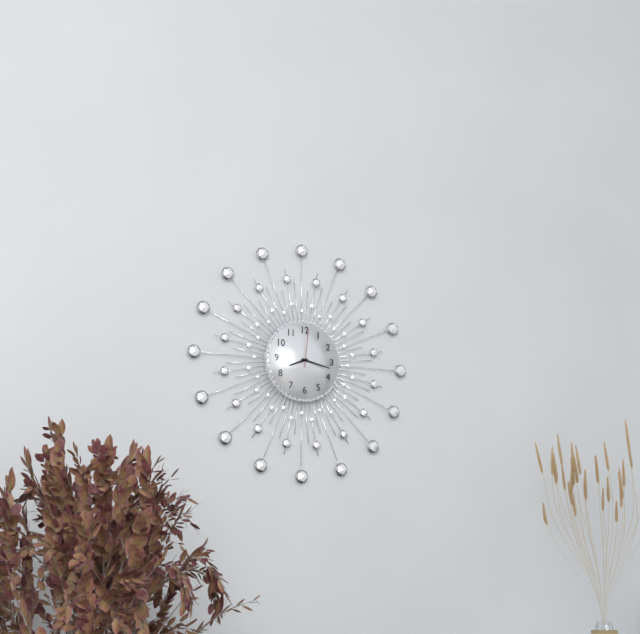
8:17
